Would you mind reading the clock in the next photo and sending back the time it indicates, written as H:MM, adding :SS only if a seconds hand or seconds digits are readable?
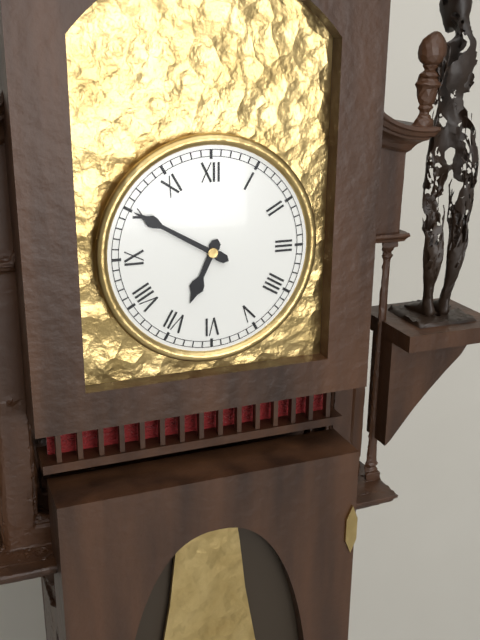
6:50
